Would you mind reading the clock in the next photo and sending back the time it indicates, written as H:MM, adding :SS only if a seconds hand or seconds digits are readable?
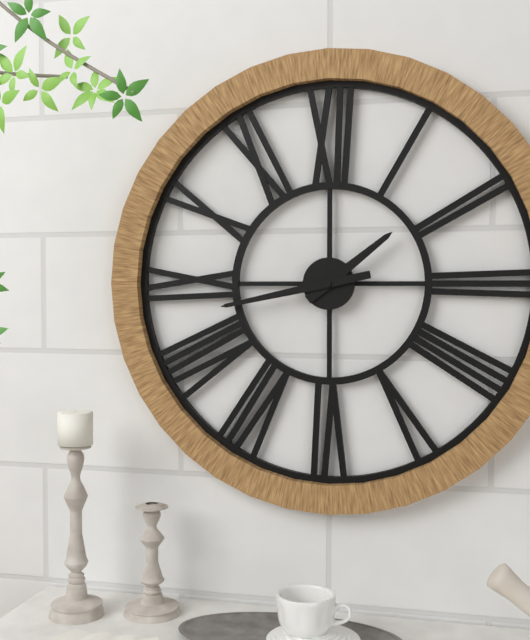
1:43
